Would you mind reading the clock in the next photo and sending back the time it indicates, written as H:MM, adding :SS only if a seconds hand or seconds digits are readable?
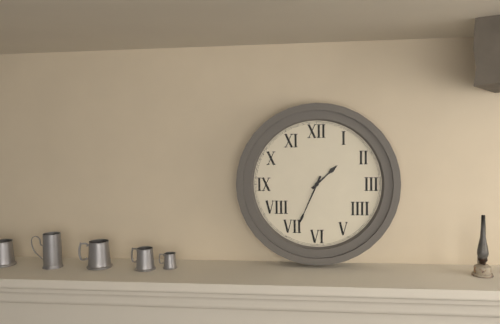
1:34
